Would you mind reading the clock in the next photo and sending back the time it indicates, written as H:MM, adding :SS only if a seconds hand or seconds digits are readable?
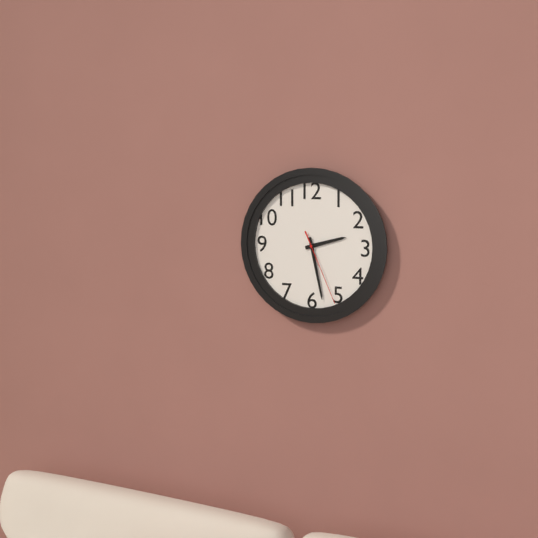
2:28:26
